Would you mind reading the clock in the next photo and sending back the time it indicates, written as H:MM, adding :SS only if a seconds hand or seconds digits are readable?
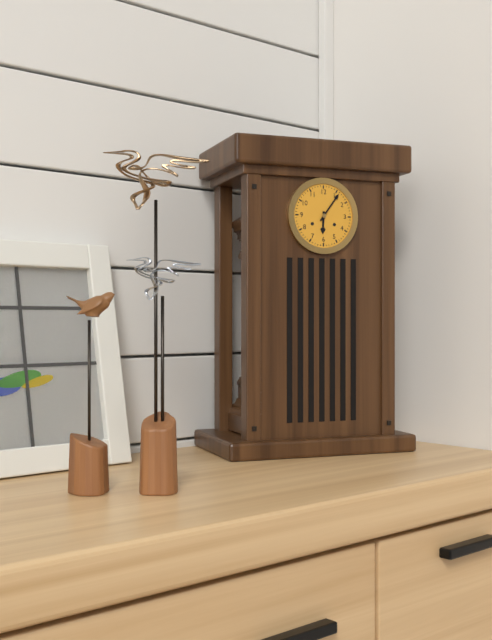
6:06
